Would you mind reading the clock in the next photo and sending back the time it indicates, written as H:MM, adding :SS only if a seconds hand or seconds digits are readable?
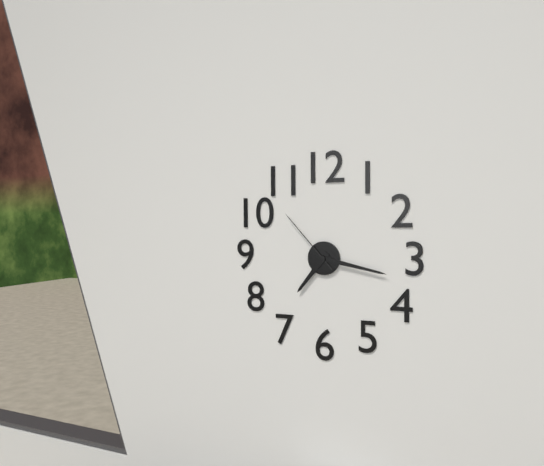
7:17:53
